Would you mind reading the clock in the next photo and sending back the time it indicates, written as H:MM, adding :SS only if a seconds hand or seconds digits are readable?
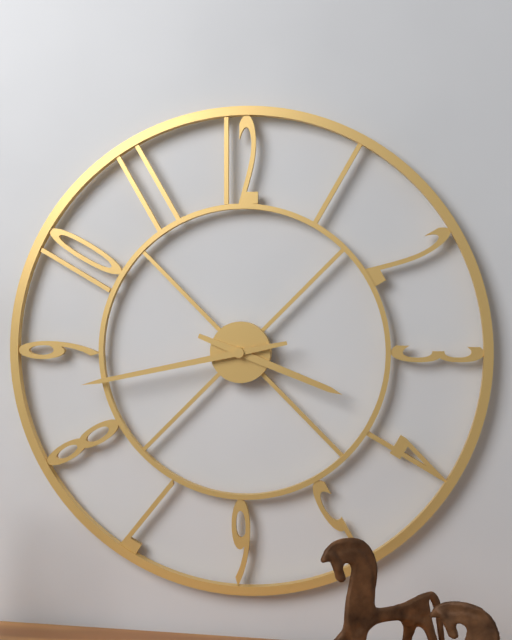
3:43
